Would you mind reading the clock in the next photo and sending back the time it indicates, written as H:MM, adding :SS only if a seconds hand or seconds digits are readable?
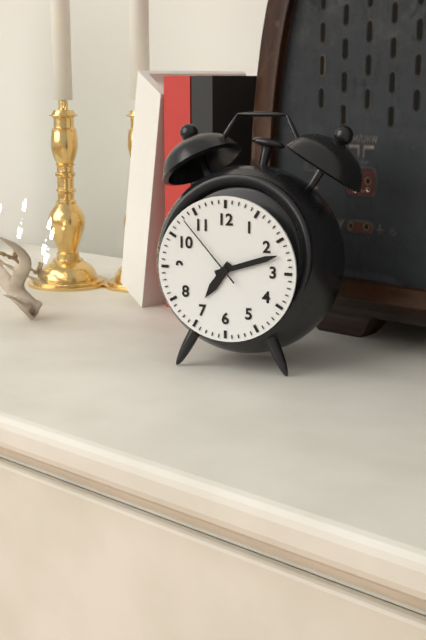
7:12:53
